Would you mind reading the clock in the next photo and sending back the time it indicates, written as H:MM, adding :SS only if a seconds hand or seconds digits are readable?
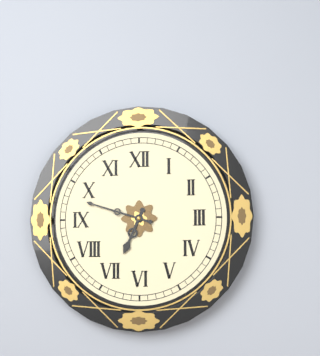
6:48
